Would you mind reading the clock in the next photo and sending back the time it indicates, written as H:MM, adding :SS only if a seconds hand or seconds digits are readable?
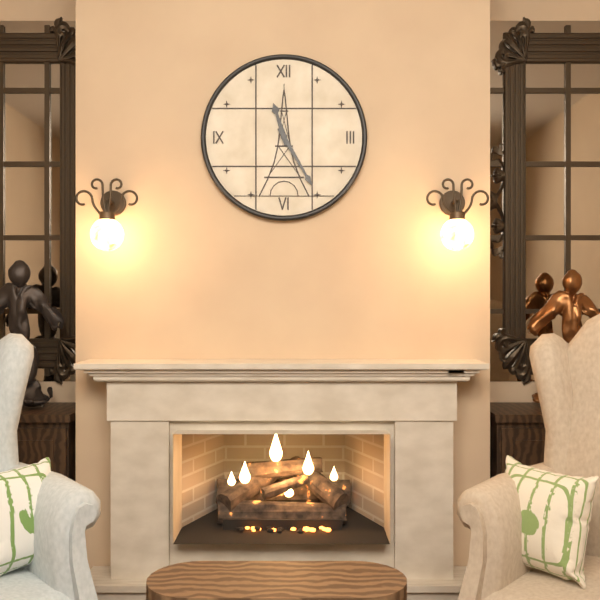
11:25
